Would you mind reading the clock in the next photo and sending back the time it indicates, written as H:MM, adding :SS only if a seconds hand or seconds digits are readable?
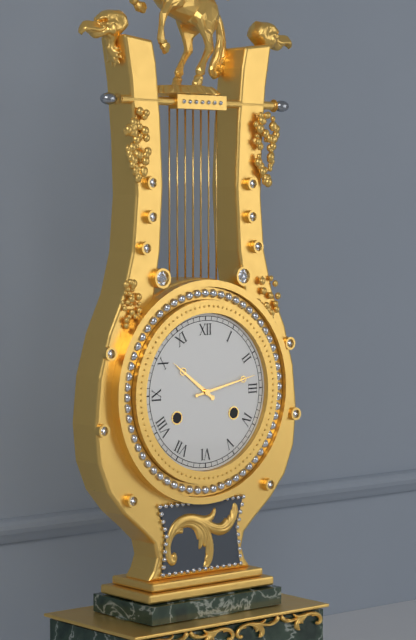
10:13
